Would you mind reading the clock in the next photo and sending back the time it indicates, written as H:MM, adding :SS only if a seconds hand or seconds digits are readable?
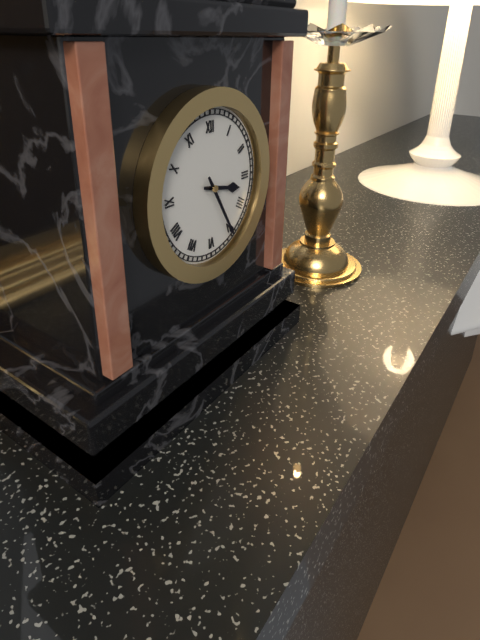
3:25
